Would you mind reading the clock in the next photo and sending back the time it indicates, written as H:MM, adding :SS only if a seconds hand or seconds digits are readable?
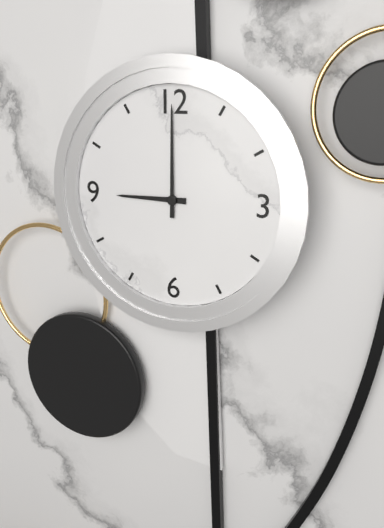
9:00
